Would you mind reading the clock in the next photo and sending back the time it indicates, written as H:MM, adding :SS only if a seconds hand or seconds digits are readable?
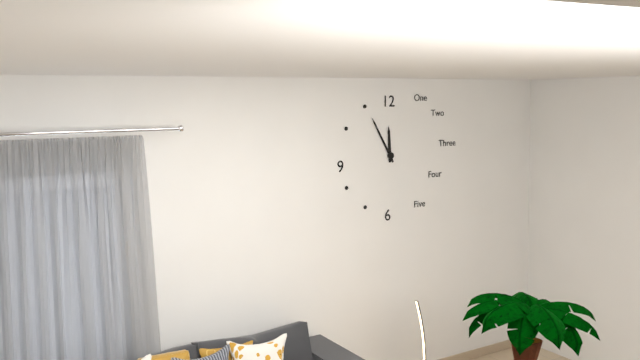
11:55
